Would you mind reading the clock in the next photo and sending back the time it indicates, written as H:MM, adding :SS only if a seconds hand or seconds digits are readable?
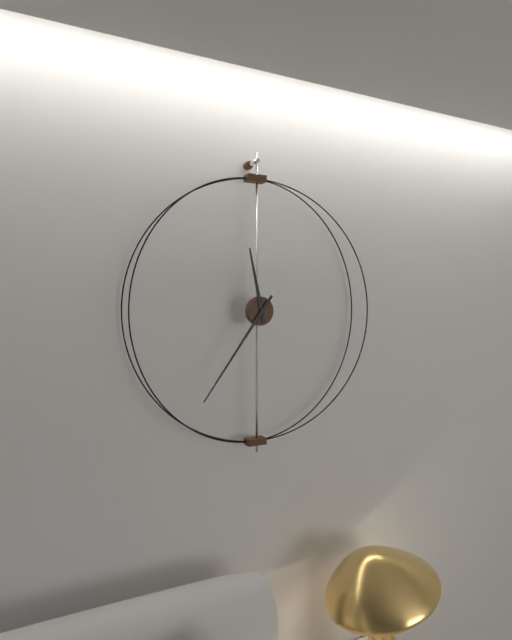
11:36
